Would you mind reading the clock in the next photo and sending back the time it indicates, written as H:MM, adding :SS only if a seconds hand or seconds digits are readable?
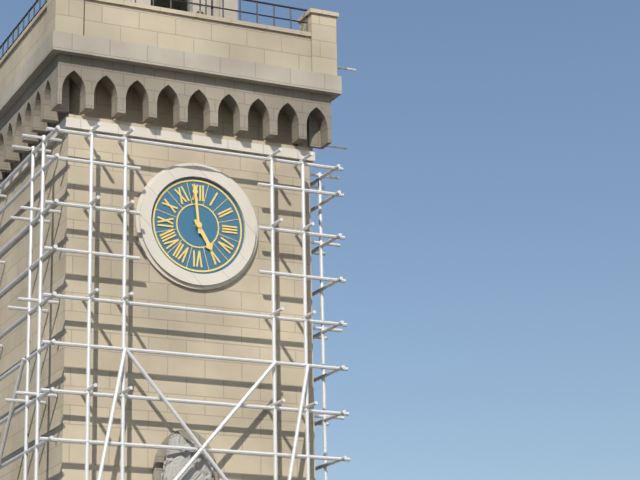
4:59
